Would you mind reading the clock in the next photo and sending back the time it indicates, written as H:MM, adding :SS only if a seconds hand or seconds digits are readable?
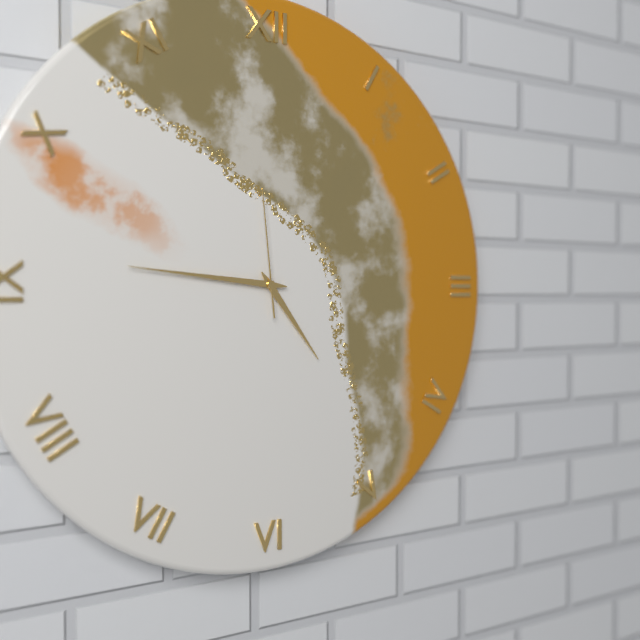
4:46:59
